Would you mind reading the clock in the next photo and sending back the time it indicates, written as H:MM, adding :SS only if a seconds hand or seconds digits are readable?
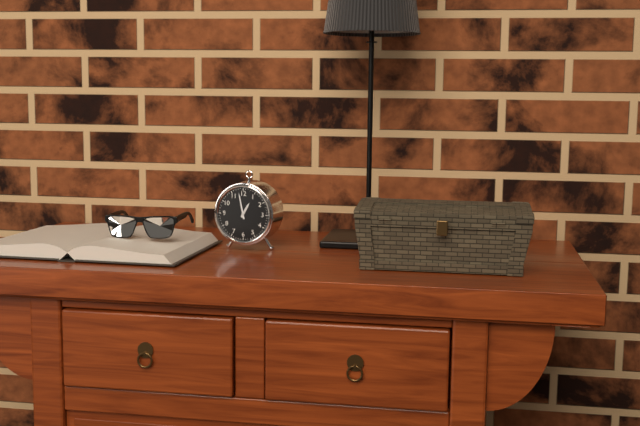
12:58
